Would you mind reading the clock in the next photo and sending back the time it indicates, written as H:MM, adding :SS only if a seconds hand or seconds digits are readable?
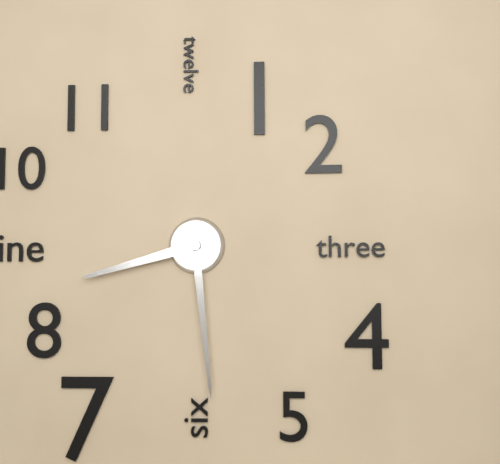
8:29
